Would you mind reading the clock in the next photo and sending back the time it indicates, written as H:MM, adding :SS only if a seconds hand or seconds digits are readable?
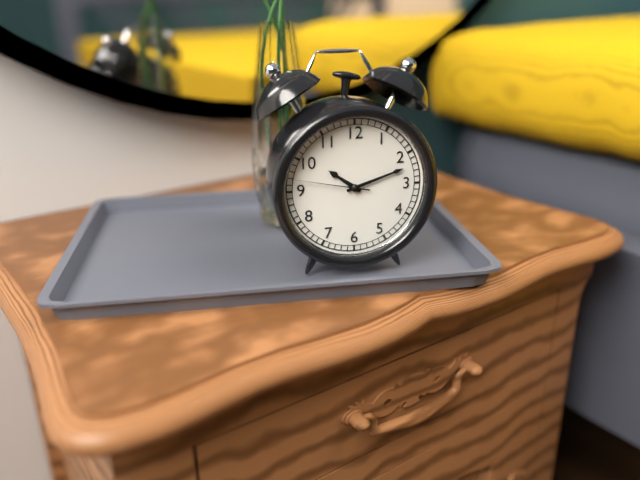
10:12:47
